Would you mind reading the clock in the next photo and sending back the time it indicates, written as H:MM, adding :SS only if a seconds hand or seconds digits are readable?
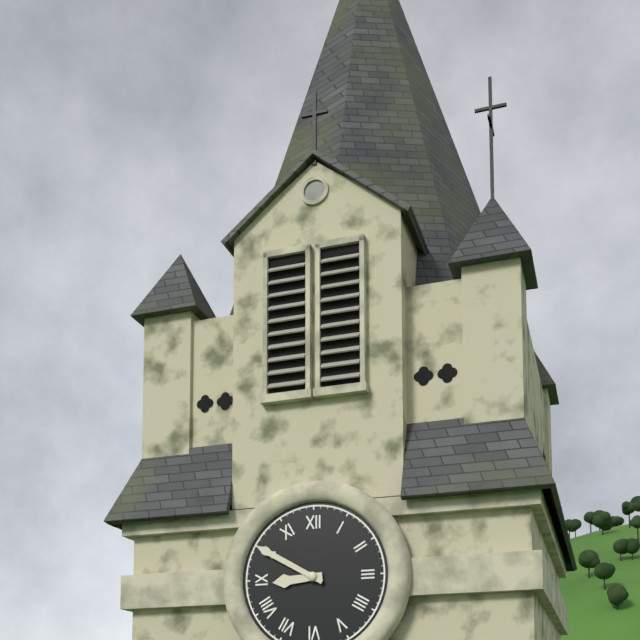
8:50
